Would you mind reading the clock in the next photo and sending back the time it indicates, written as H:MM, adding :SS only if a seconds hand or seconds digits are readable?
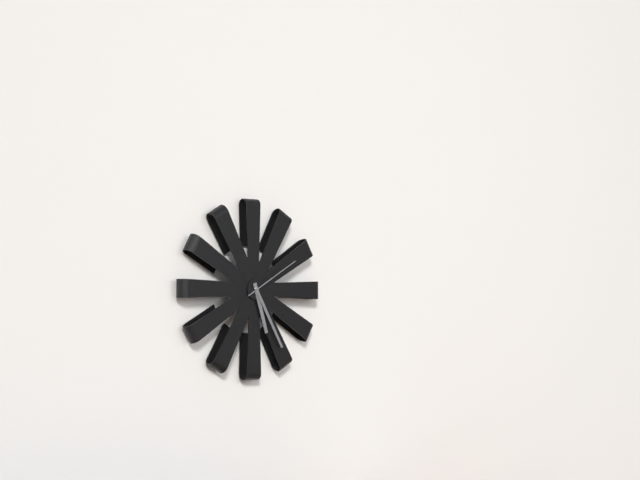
5:25:10
